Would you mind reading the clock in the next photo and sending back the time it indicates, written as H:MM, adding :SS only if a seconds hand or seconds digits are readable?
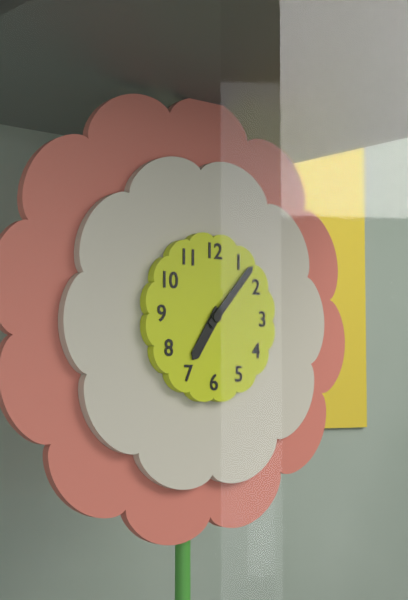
7:07
